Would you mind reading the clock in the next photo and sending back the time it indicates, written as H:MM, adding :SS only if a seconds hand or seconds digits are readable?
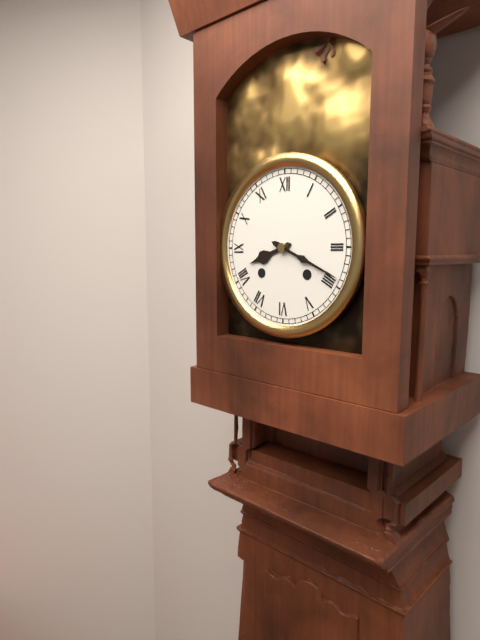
8:19
